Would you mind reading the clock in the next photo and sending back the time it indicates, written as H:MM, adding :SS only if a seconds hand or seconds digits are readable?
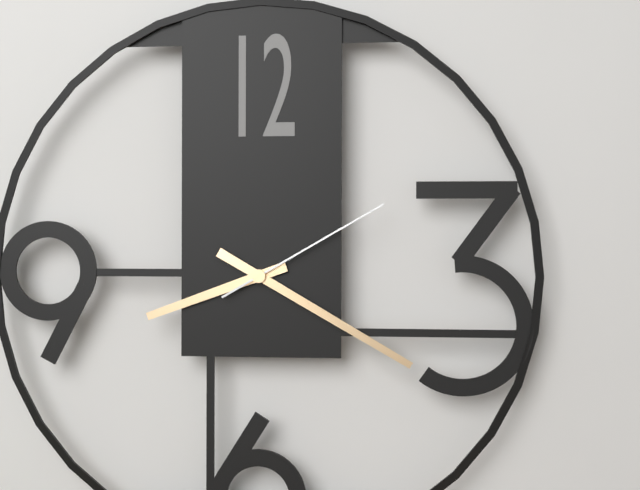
8:20:10
